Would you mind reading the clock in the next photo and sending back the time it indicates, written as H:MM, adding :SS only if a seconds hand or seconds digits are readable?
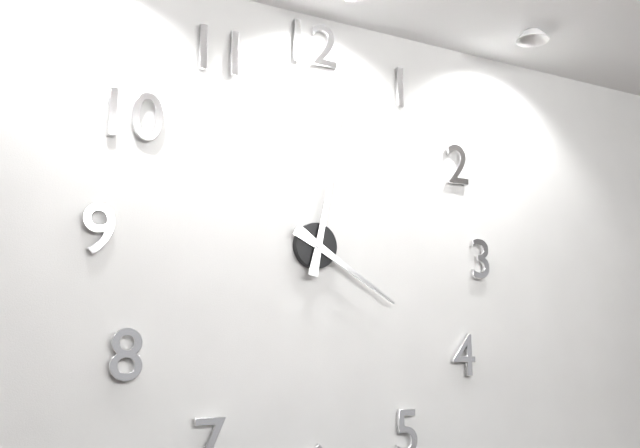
4:02
